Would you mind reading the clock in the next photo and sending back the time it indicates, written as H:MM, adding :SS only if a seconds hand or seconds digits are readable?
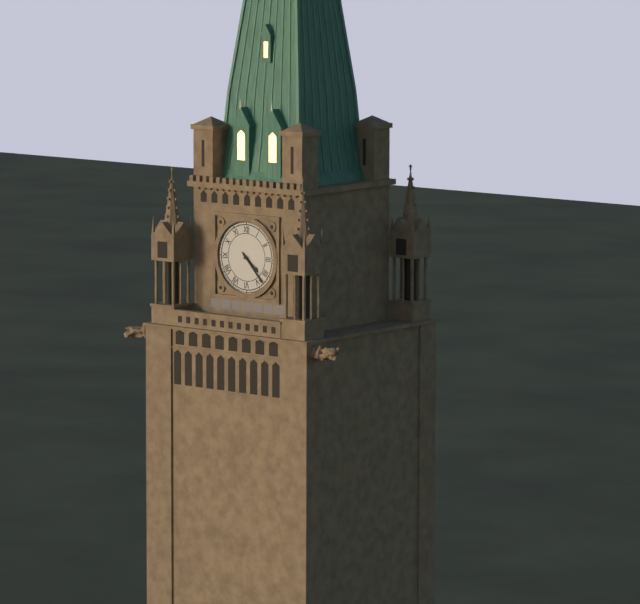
4:23
